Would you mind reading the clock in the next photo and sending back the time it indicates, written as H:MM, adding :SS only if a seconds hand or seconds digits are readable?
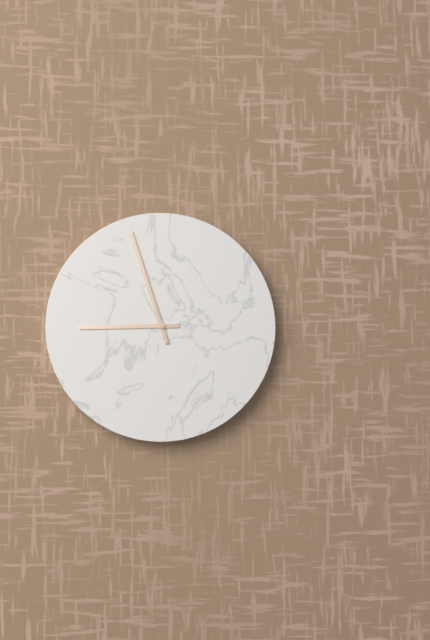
8:57
